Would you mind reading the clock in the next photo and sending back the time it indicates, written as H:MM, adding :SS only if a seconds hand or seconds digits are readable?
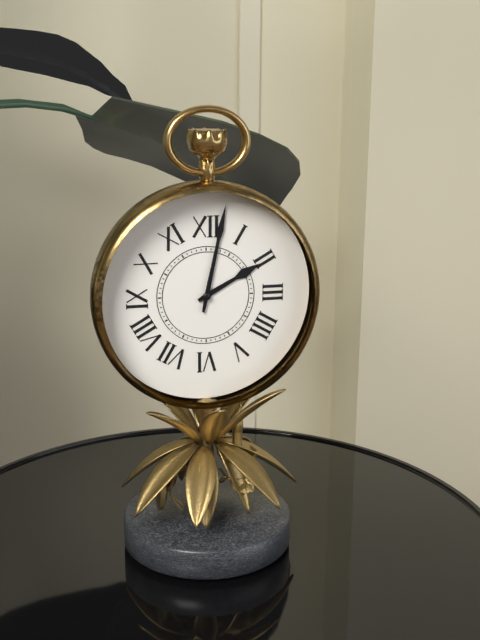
2:02
